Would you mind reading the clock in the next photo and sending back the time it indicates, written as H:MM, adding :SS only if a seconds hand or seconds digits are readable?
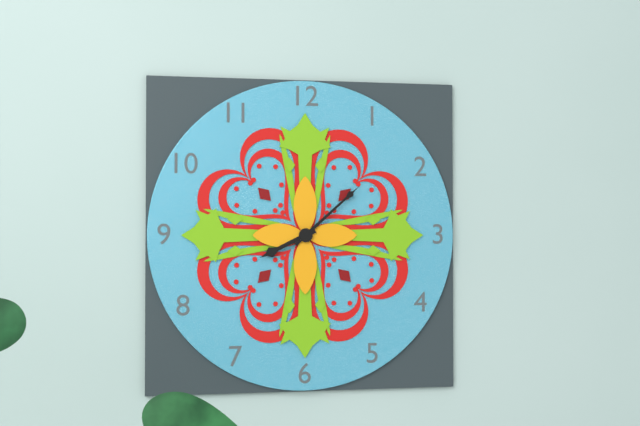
8:08
